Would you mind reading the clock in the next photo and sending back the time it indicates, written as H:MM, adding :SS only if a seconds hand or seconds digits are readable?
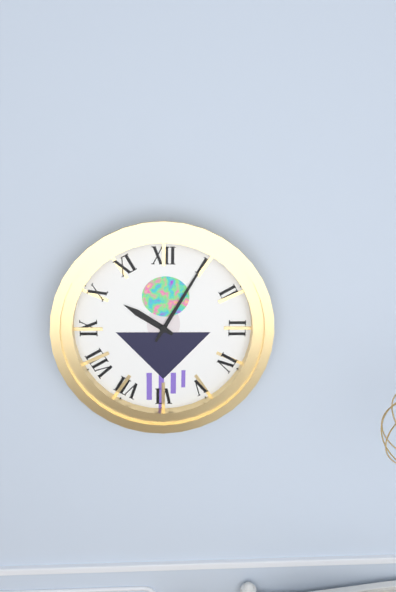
10:05
